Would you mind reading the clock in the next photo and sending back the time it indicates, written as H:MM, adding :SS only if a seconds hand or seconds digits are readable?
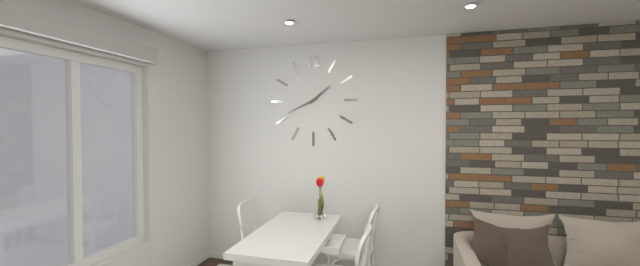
1:41
